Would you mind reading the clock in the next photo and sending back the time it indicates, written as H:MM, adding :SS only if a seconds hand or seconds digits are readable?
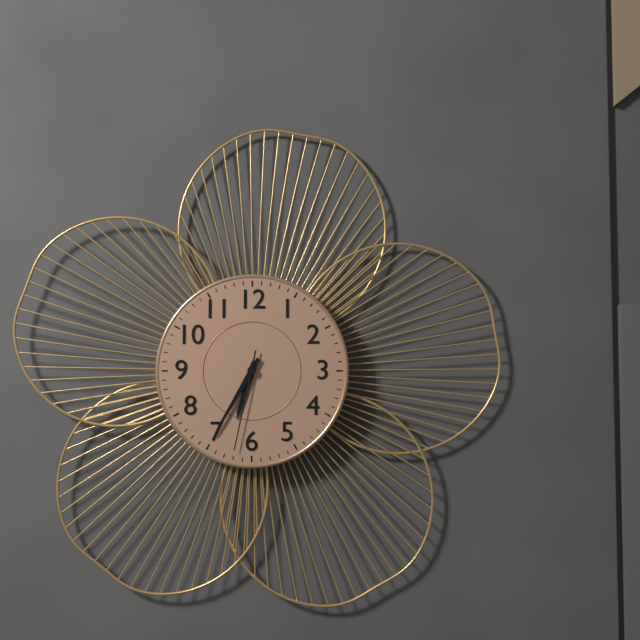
6:35:32
